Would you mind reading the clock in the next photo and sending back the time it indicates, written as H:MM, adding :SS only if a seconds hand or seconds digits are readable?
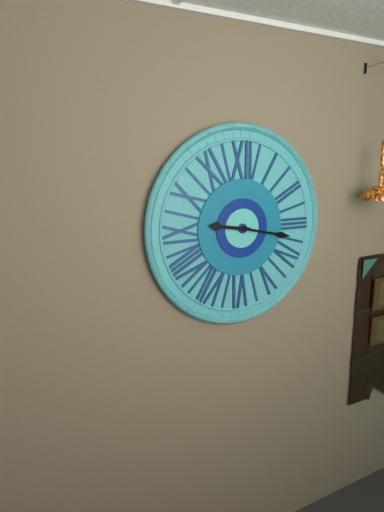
9:17
